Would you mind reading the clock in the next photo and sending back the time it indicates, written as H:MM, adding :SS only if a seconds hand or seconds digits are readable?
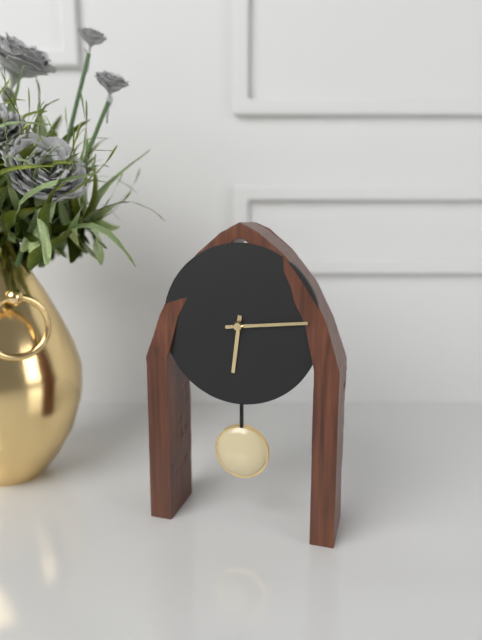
6:14
